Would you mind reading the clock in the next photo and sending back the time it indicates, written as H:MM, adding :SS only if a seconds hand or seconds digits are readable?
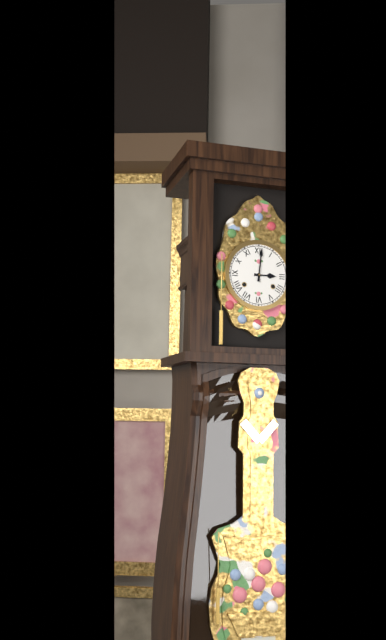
3:01
